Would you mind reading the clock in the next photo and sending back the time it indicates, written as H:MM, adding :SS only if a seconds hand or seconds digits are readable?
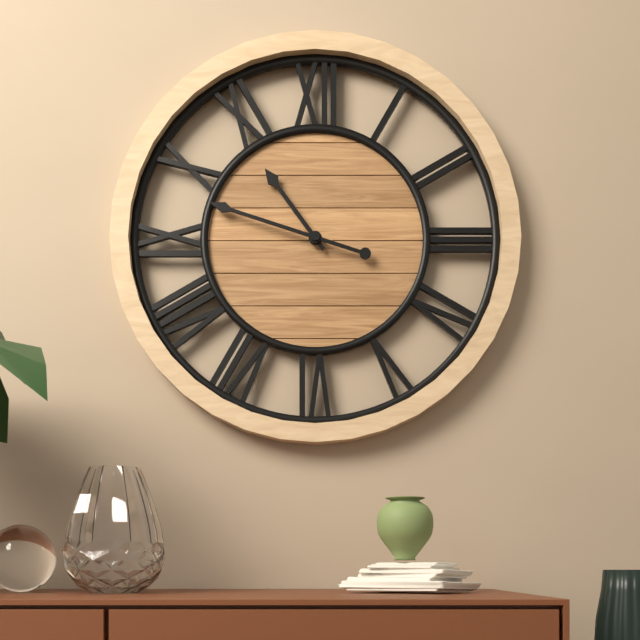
10:48
